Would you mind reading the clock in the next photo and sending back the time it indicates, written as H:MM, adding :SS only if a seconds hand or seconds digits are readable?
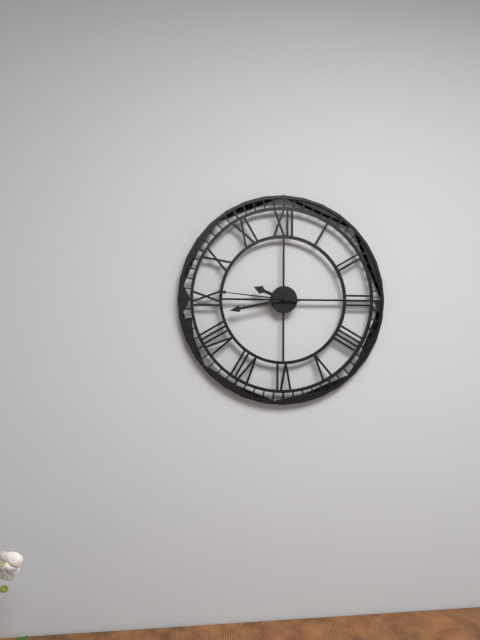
9:43:46
